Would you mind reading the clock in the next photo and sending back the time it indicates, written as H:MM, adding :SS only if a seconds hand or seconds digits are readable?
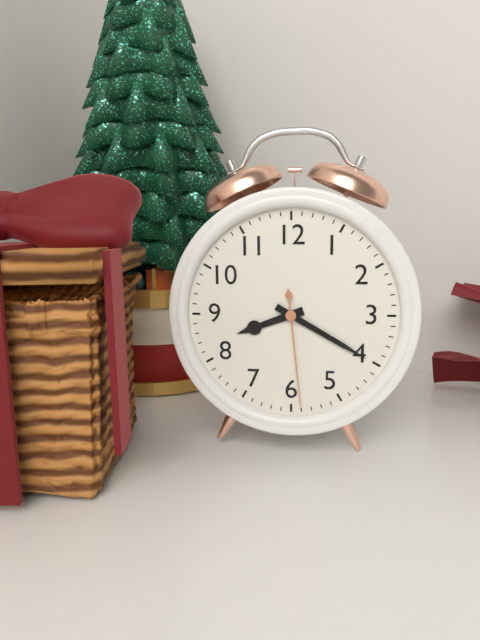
8:20:29
